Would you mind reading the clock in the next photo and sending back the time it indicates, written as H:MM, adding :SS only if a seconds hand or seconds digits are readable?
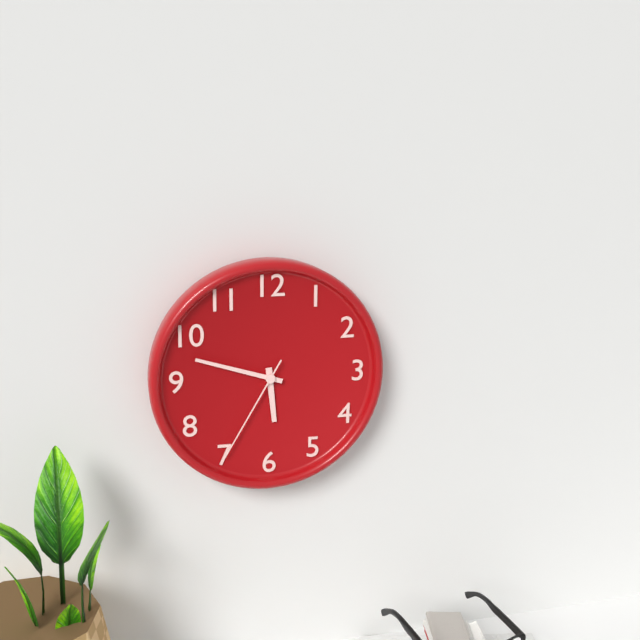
5:48:35
